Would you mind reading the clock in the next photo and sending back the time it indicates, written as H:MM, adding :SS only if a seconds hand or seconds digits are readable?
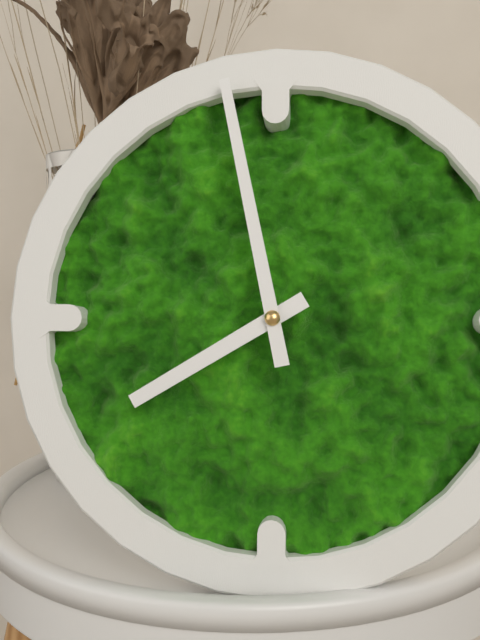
7:58
